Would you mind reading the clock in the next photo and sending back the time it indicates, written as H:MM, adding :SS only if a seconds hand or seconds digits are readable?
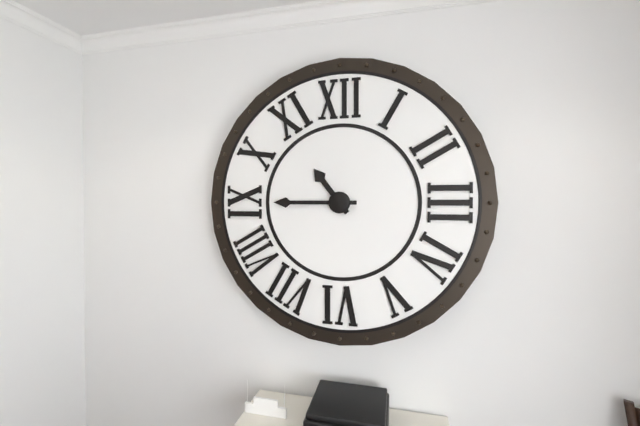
10:45
